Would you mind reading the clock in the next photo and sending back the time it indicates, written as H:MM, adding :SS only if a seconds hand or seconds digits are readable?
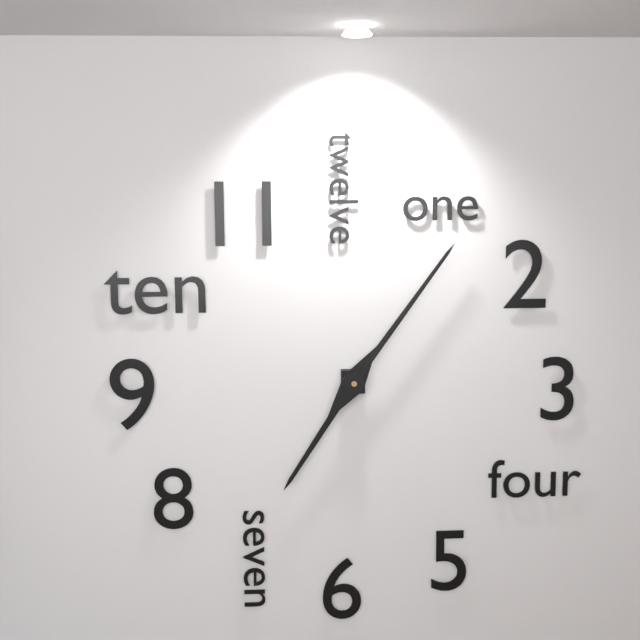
7:06
